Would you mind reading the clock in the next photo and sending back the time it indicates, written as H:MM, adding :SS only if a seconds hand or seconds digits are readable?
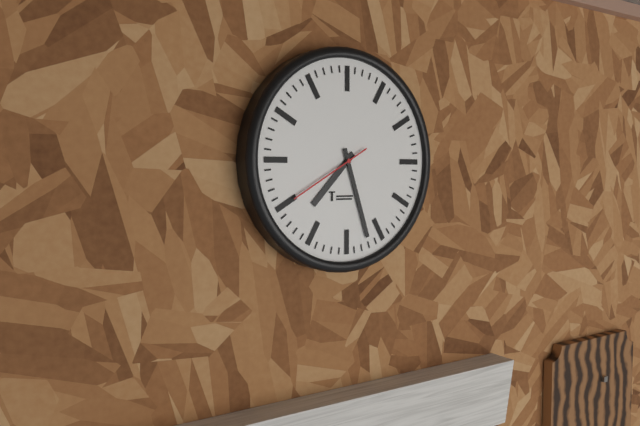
7:27:40
